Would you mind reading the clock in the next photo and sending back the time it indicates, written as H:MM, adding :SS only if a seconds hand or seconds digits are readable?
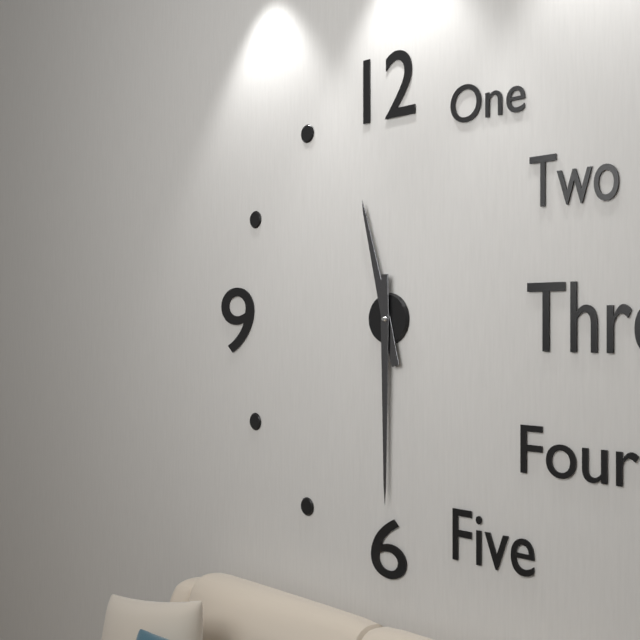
11:30
